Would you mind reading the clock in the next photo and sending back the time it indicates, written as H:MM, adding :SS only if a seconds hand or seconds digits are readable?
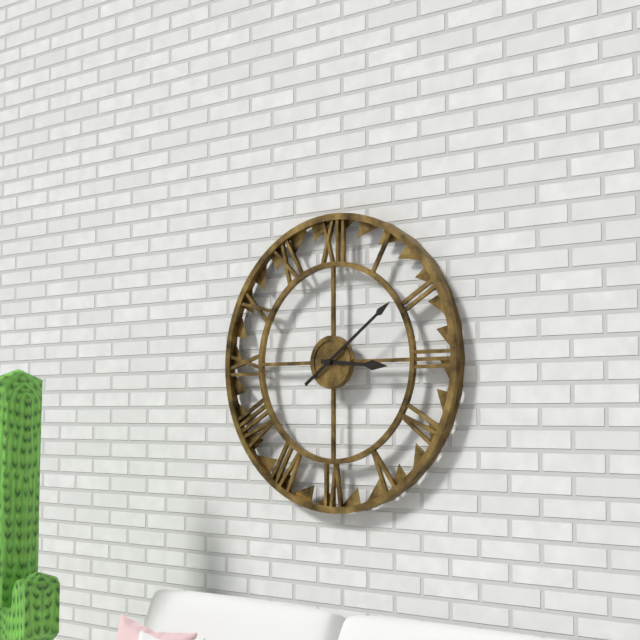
3:09
